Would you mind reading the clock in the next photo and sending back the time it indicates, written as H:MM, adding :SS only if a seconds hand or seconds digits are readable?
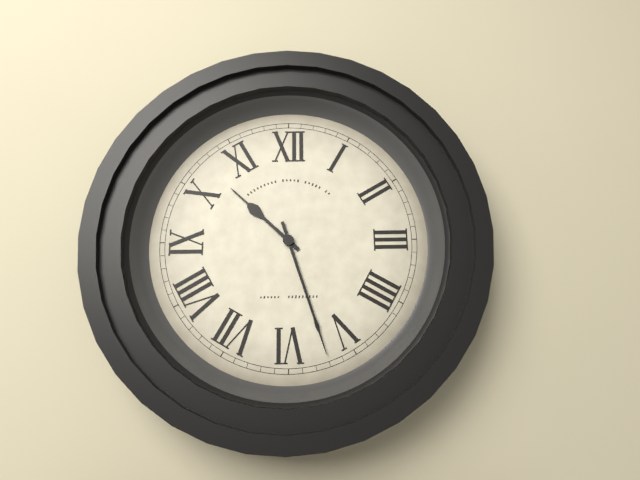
10:27
